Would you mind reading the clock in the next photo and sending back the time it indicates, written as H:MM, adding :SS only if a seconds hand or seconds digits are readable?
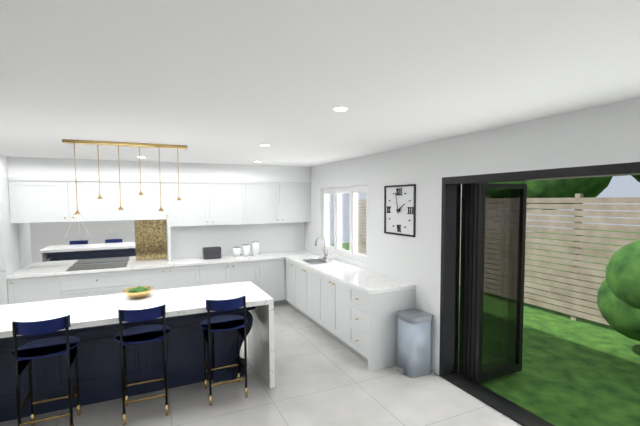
1:58
